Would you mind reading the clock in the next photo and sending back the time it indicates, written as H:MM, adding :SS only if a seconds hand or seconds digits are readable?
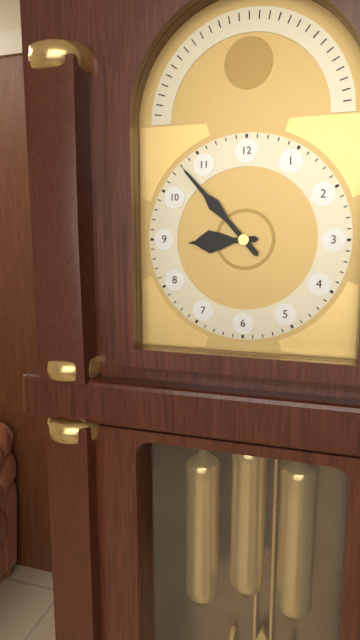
8:53
